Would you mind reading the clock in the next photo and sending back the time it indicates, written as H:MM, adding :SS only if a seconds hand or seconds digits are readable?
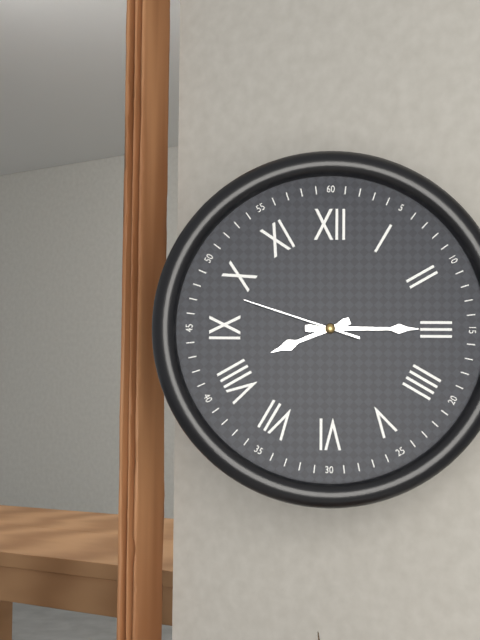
8:15:48
